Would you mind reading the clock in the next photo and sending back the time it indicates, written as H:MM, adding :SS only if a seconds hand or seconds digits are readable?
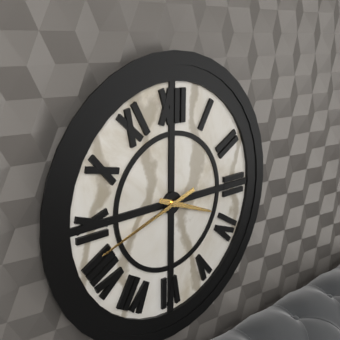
3:42
